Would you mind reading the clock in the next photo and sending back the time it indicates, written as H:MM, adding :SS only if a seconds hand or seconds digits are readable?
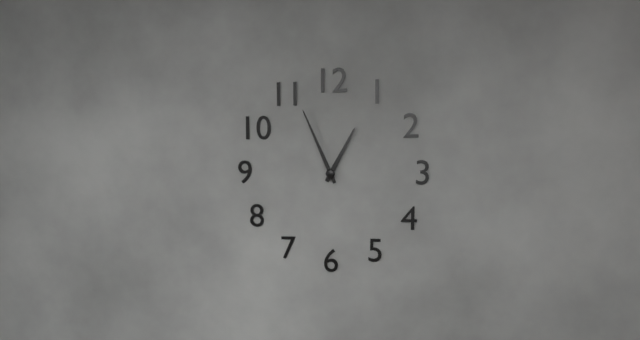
12:56
